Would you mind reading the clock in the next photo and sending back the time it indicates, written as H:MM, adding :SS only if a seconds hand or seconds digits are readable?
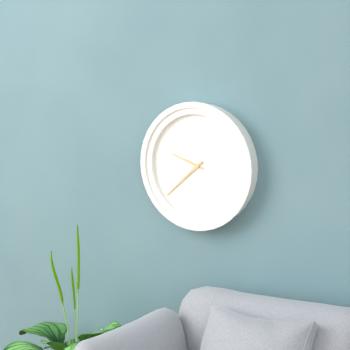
9:38
